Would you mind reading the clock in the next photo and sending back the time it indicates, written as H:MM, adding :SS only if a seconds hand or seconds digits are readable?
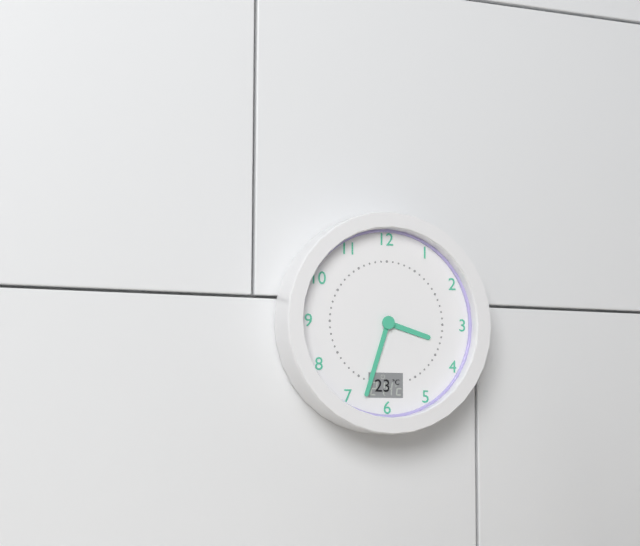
3:33
